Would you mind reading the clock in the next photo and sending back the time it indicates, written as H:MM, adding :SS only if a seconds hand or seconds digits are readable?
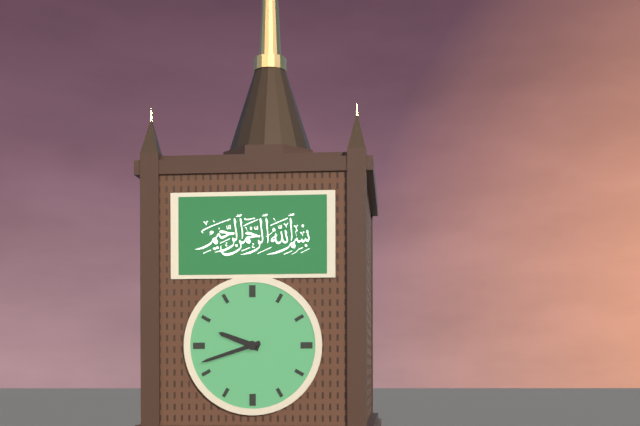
9:42
